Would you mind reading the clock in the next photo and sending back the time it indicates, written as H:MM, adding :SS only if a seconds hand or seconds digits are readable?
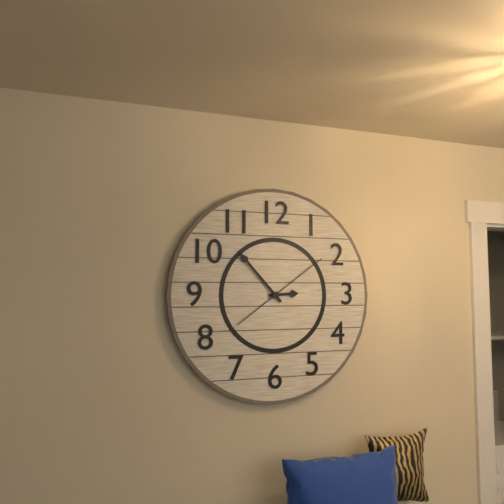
2:53:09
